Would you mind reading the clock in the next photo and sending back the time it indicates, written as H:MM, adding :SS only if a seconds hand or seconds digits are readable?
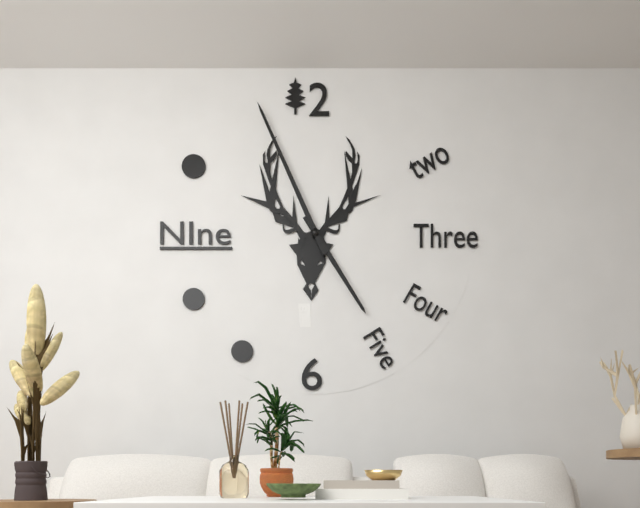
4:56
